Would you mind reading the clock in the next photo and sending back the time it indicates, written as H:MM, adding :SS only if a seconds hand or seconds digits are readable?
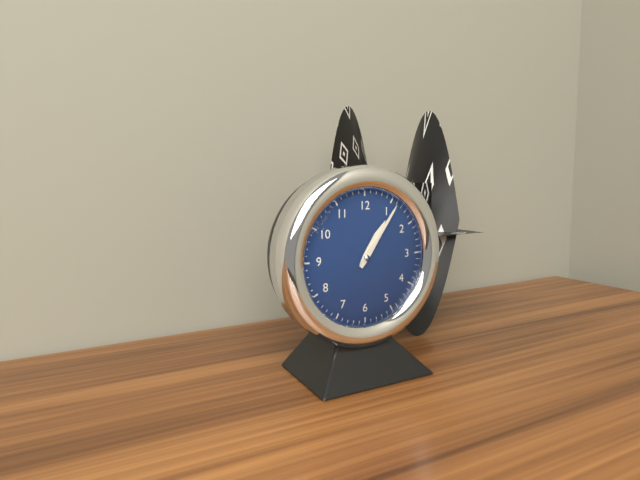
1:06
